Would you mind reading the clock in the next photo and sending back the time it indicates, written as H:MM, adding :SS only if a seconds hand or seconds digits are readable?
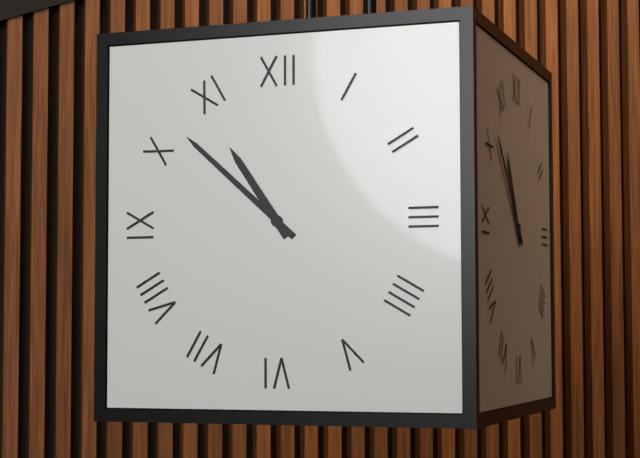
10:52
